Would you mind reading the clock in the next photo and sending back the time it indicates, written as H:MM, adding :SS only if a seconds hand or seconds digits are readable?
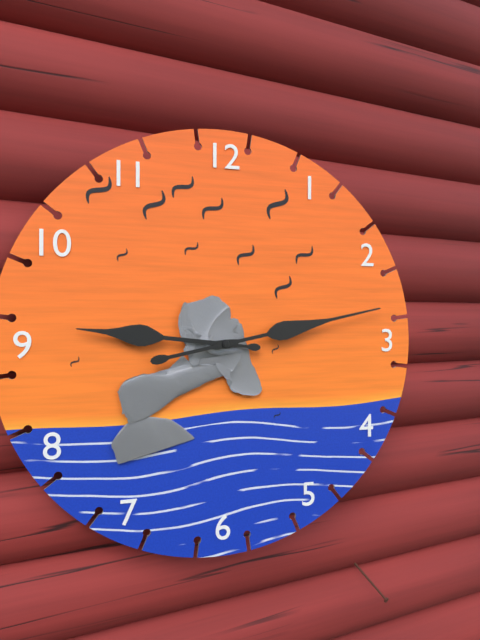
9:13
